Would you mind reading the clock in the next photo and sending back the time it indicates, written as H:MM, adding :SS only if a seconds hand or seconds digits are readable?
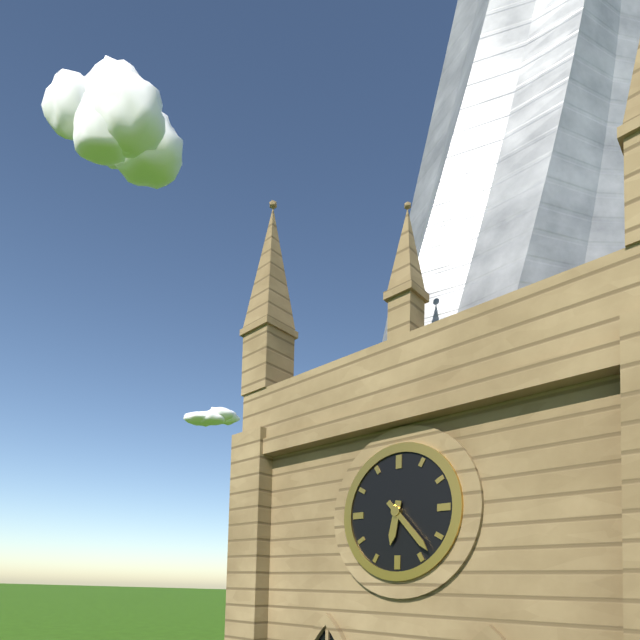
6:23
